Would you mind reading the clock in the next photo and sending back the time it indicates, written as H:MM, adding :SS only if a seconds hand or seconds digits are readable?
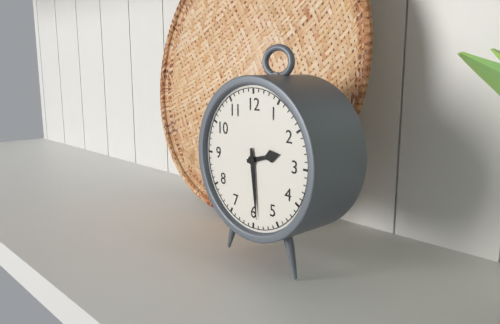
2:29
